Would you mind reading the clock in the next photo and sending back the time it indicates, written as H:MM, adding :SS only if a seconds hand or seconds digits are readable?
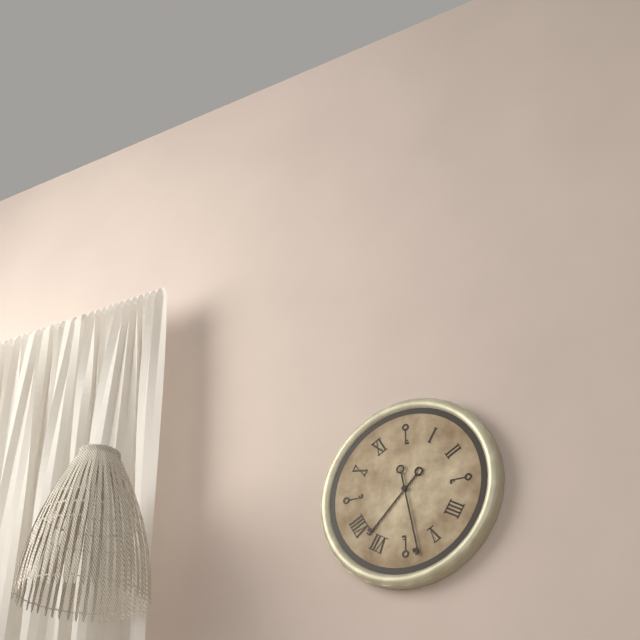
7:28
